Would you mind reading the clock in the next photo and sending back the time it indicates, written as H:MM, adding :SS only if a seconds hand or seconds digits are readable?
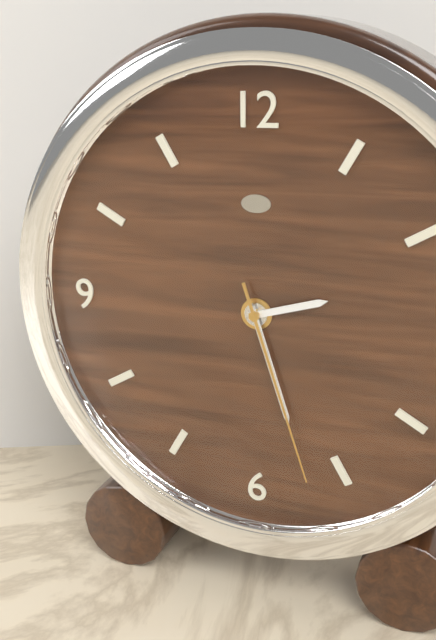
2:27:27
